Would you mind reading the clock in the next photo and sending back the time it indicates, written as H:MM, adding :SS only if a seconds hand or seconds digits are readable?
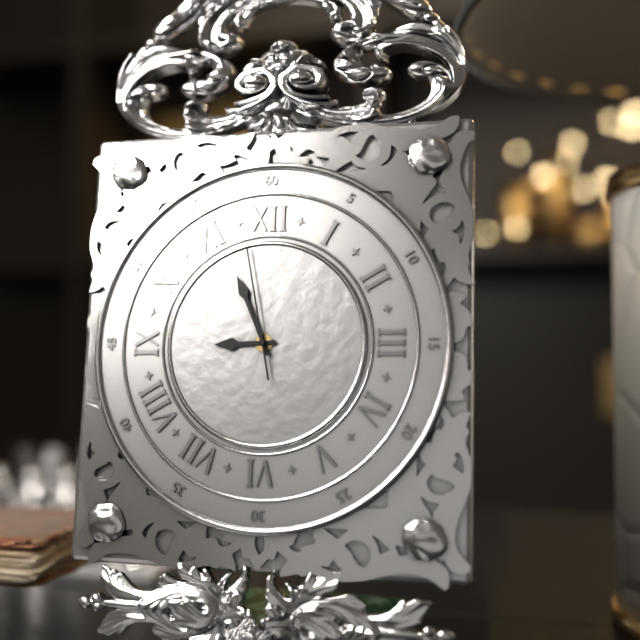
8:56:58
